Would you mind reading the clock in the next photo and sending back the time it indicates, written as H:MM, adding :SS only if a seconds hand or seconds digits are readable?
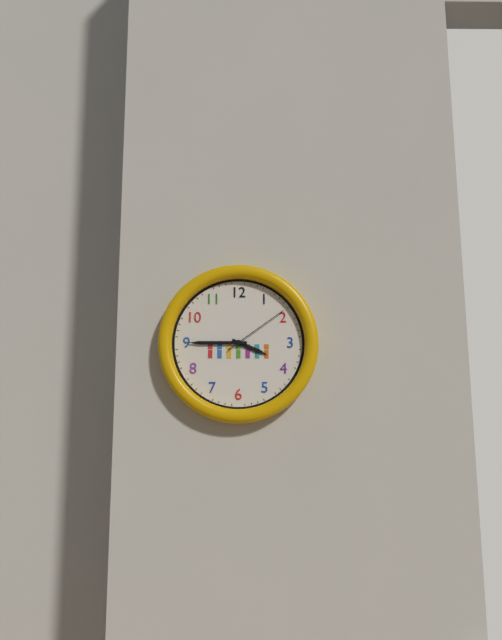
3:45:09
